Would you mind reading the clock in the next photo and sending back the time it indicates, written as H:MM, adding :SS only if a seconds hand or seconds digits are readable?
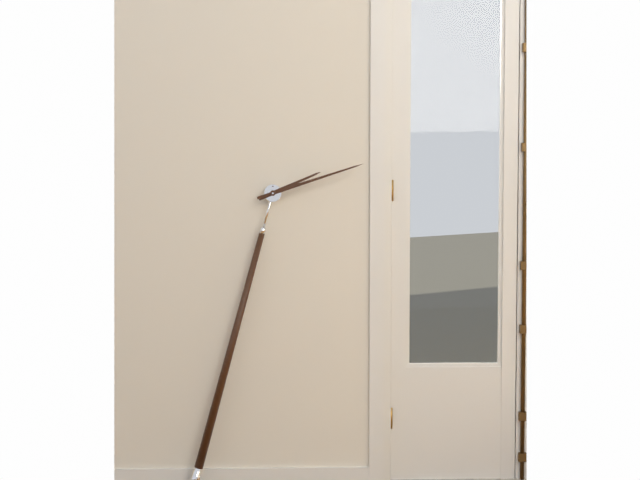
2:12
